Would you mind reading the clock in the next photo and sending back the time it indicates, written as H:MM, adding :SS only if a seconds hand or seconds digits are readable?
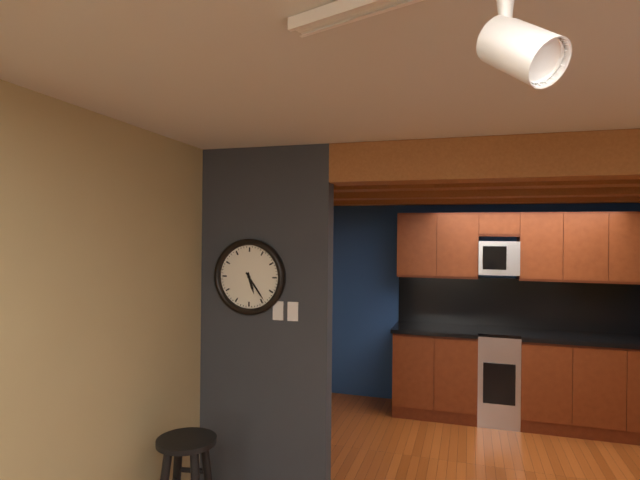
5:24
